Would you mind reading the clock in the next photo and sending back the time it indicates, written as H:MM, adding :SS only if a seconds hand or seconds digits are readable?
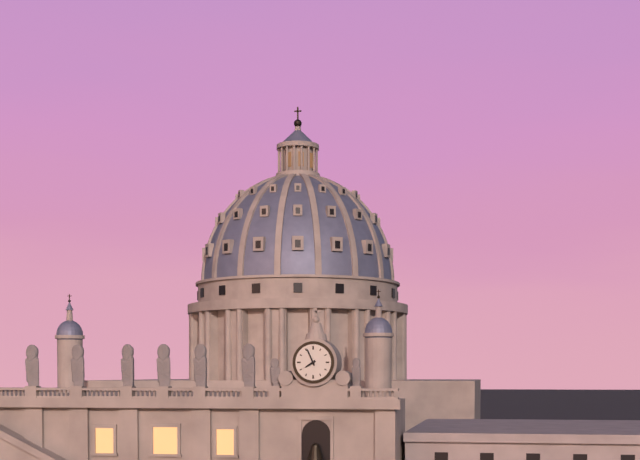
7:56
